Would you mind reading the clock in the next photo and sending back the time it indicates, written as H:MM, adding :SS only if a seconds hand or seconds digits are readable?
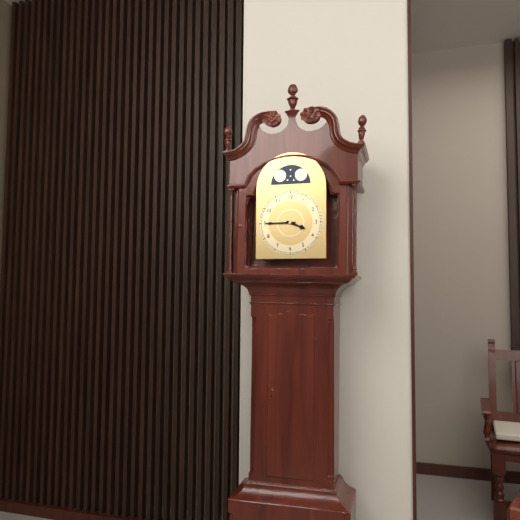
3:45
